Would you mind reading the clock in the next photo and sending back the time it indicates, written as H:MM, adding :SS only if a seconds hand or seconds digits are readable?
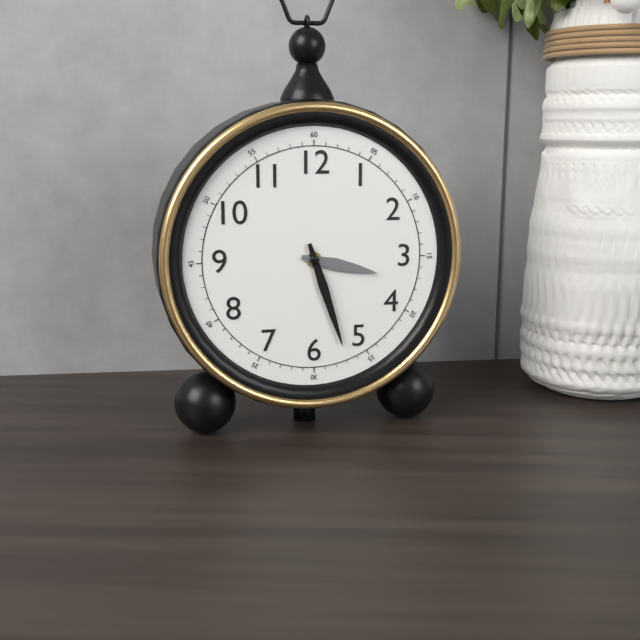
3:27
